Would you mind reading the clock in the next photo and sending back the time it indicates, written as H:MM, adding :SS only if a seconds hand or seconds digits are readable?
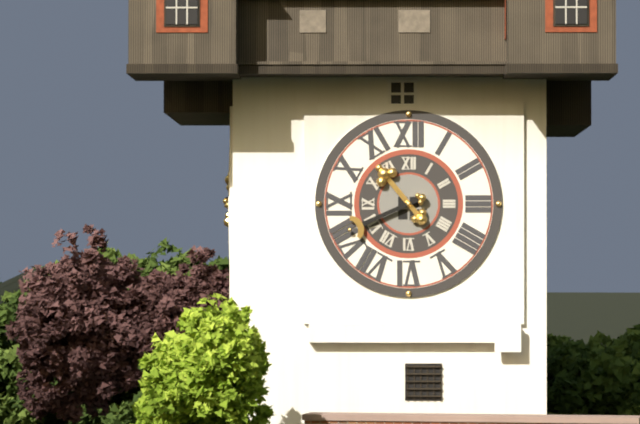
10:41
